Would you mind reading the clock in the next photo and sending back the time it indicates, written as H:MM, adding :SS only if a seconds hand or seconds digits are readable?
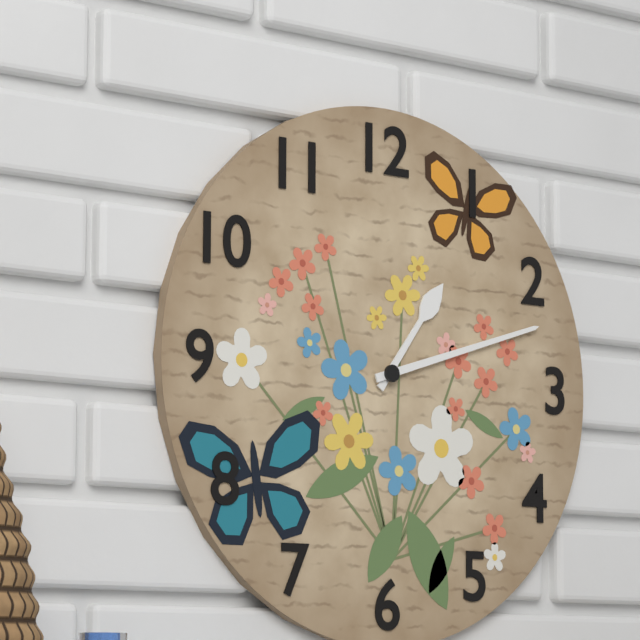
1:12
